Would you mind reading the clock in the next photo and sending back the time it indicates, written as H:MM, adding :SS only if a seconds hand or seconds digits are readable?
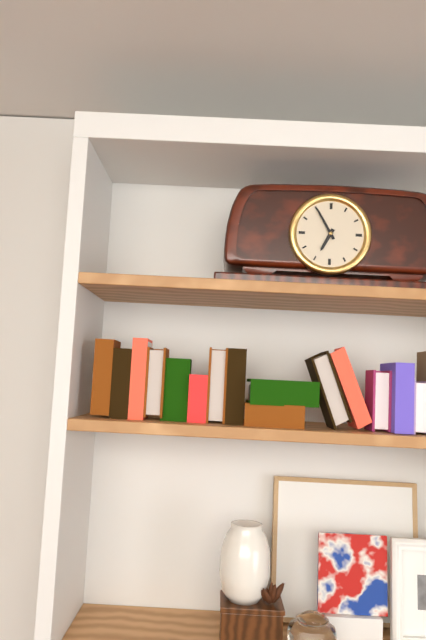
6:55
